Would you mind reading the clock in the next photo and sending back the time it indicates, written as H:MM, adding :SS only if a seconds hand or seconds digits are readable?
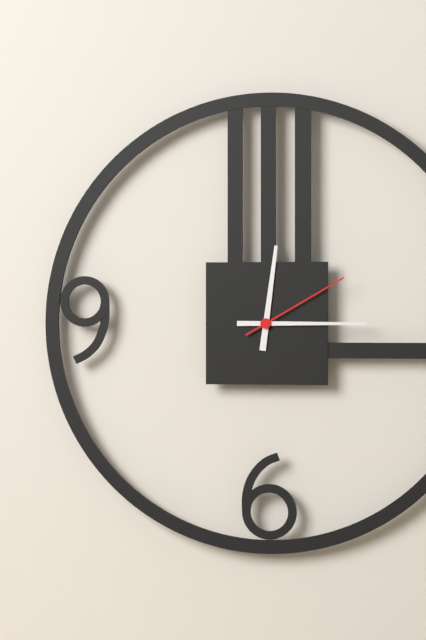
12:15:10
